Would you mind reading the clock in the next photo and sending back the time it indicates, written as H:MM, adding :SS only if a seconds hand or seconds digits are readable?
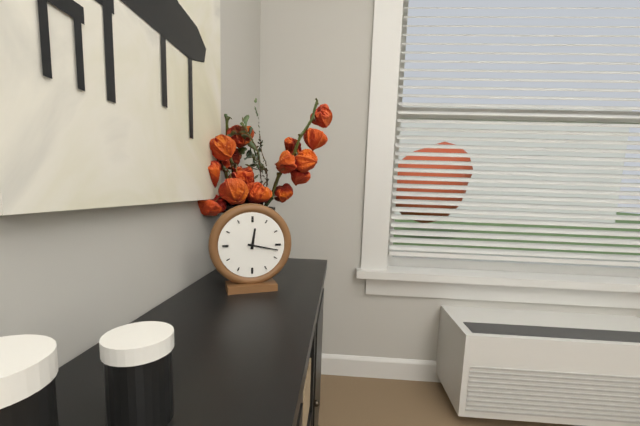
12:17
